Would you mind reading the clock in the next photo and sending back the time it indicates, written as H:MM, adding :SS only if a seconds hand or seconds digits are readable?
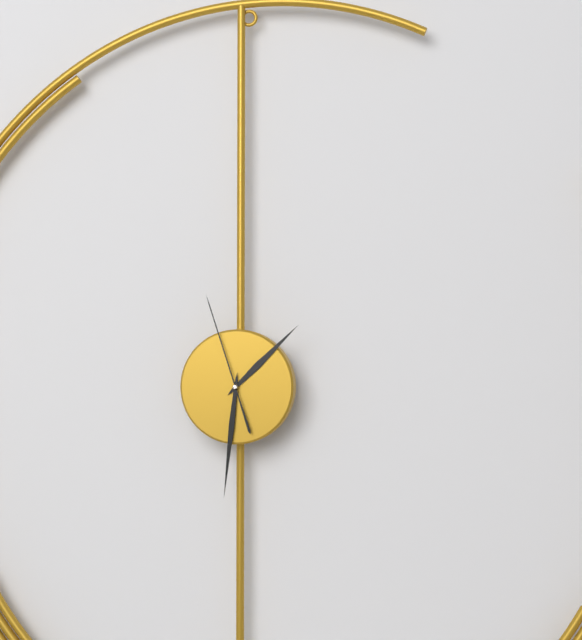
1:31:57
